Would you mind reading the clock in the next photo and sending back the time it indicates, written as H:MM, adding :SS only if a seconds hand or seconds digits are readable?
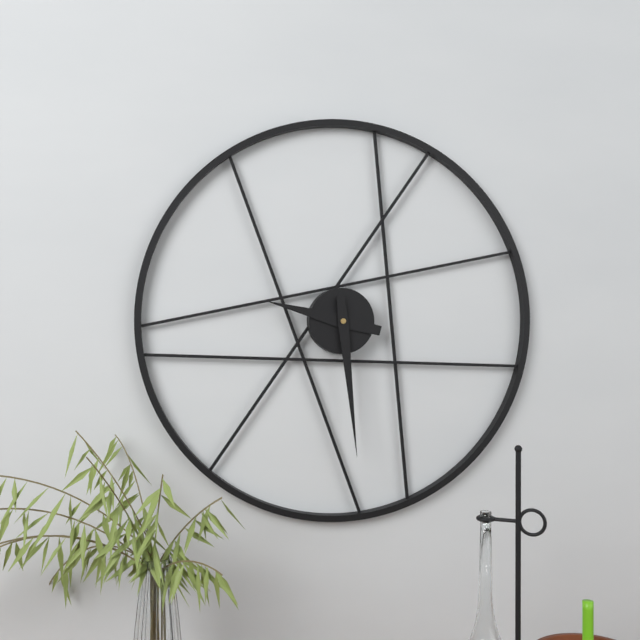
9:29
